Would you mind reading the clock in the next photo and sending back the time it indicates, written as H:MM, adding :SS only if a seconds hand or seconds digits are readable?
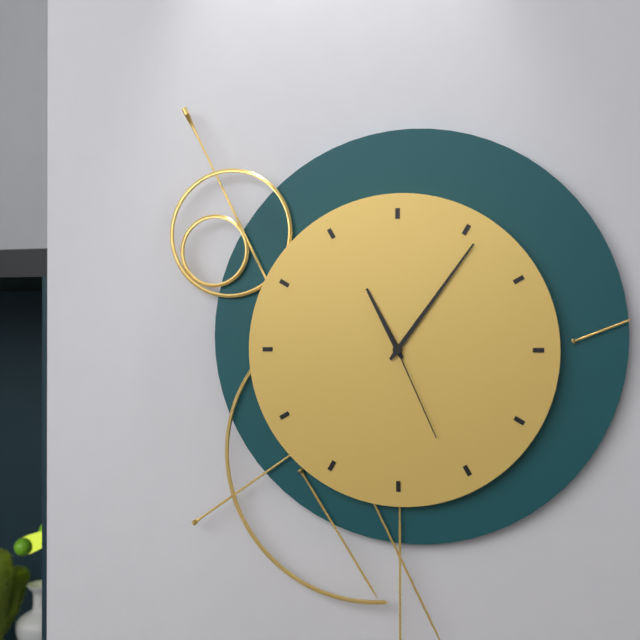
11:06:26
